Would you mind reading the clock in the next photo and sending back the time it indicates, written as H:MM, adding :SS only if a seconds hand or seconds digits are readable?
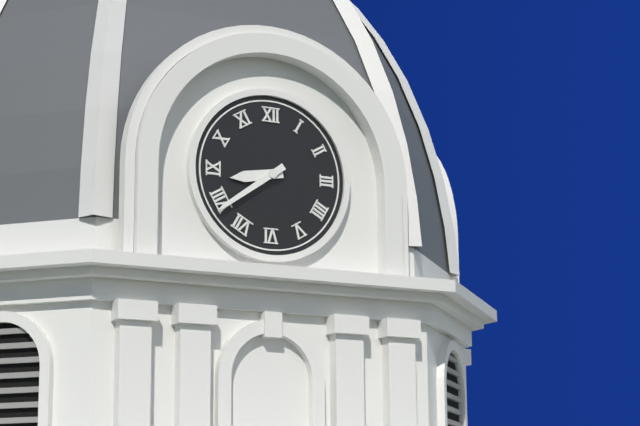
8:39
